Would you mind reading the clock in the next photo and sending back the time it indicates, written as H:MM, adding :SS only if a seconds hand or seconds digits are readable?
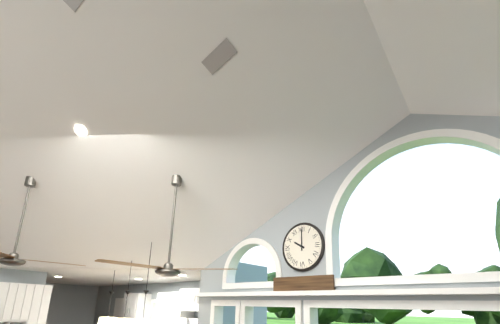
10:00
